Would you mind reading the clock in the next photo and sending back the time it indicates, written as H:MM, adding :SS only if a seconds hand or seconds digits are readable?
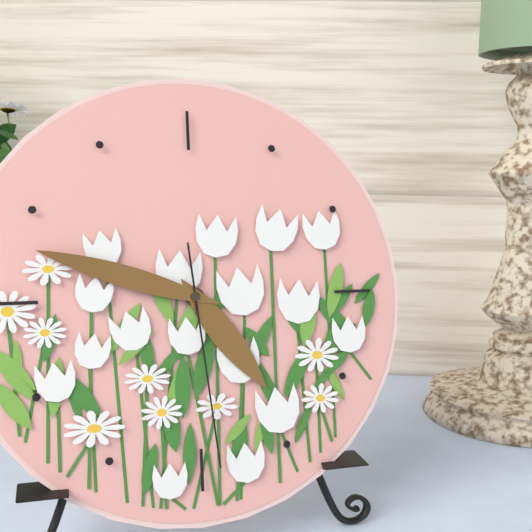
4:48:29
